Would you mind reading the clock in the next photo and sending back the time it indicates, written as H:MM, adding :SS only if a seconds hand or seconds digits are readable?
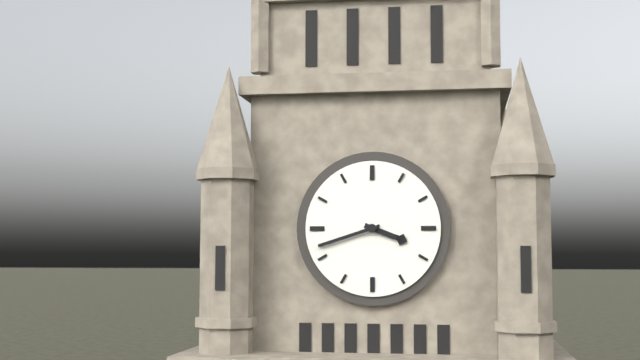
3:42
